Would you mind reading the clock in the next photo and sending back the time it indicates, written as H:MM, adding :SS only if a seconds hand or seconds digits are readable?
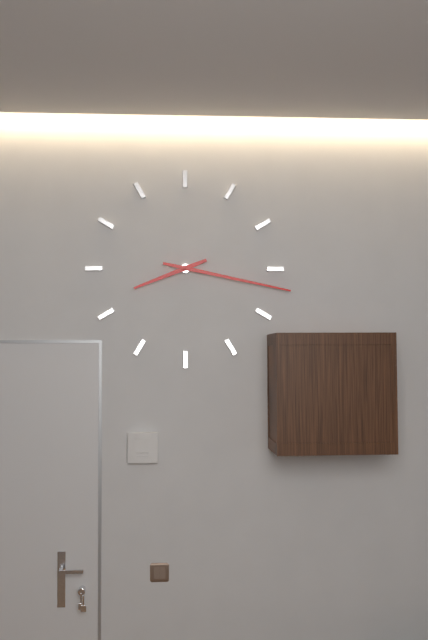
8:17
